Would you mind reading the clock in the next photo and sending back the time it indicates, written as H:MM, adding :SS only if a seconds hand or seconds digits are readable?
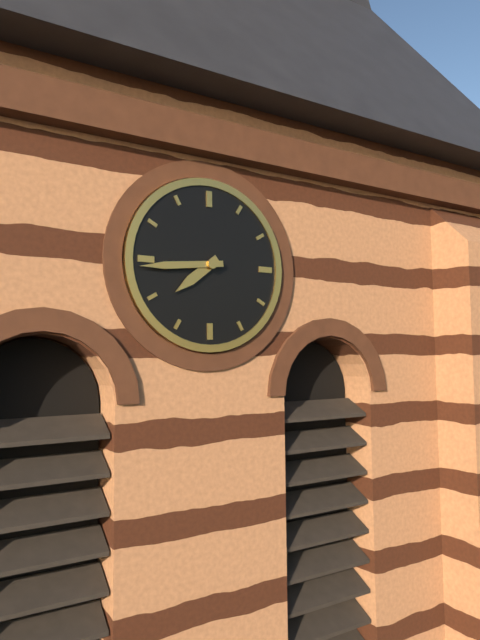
7:44
